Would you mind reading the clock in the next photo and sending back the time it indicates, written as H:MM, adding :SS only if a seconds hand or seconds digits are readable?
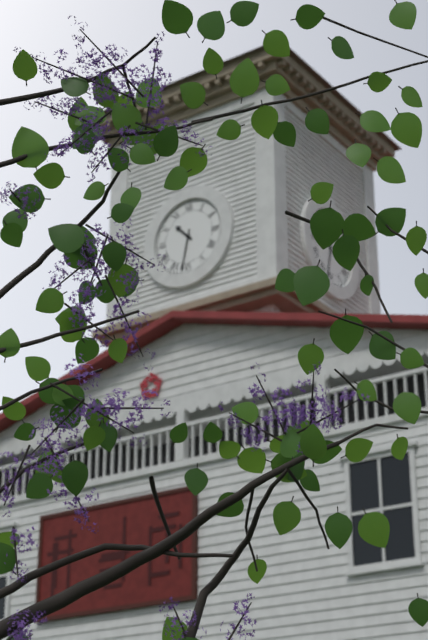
10:32
